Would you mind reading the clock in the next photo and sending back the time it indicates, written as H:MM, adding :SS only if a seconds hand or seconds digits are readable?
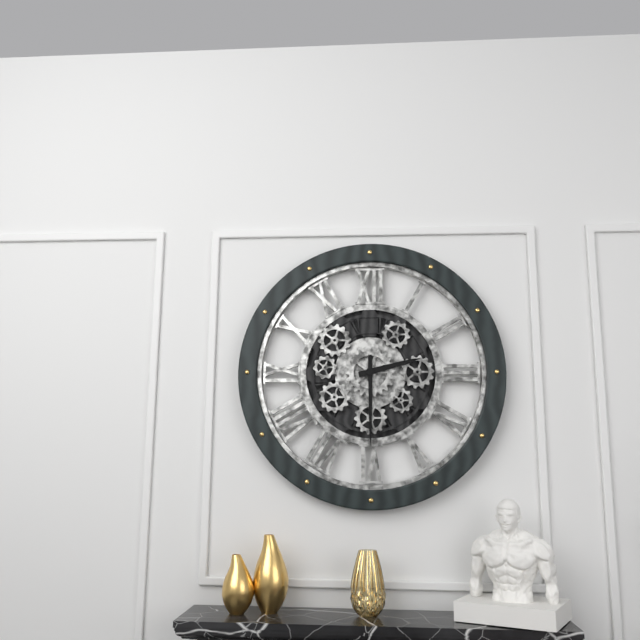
2:30
